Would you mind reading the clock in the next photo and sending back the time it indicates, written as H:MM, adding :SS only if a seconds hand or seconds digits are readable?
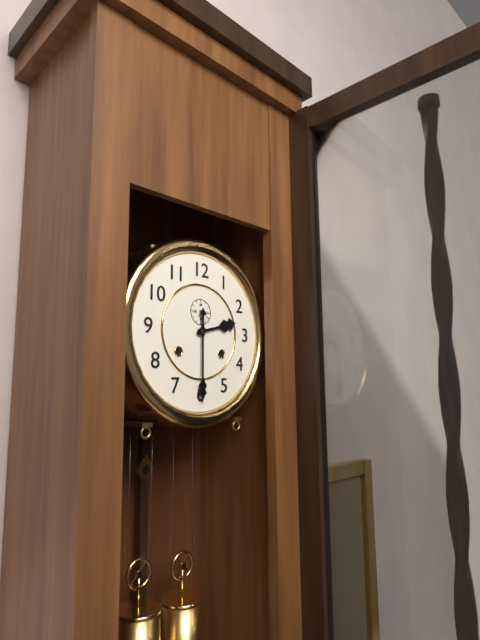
2:30
